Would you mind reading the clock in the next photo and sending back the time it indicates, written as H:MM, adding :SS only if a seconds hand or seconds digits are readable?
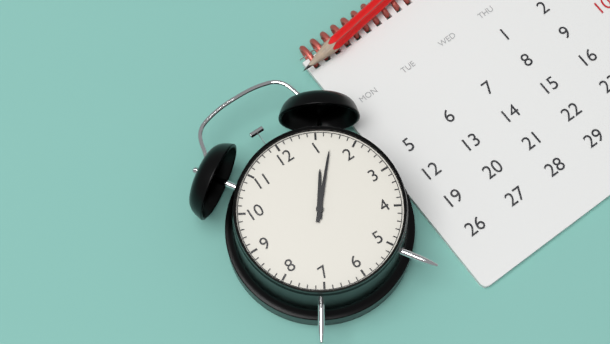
1:07
